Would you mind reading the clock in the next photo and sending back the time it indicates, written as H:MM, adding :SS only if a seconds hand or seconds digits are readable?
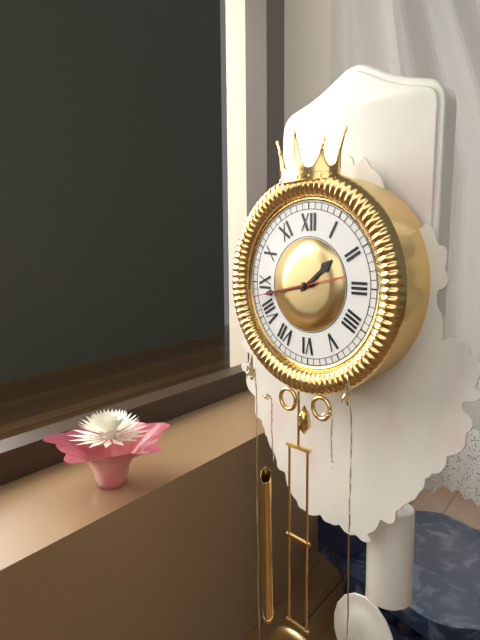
1:43:43
